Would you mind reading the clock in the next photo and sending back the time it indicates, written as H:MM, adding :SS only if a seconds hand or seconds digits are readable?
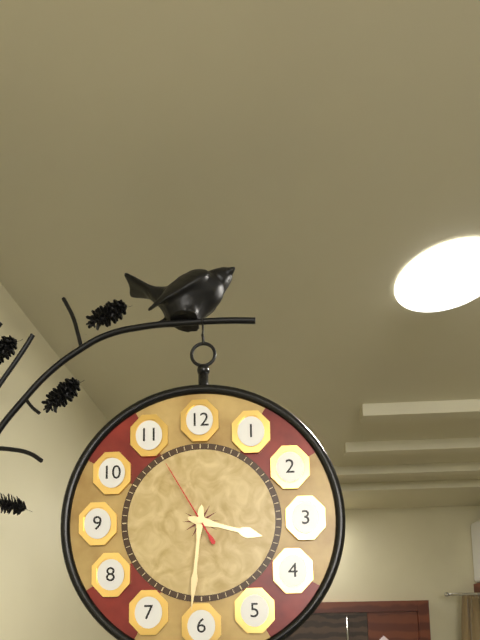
3:31:55
